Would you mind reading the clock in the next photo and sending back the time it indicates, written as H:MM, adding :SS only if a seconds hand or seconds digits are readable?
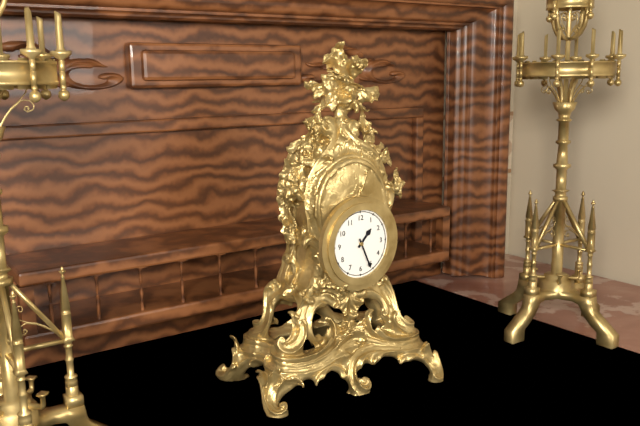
1:26
